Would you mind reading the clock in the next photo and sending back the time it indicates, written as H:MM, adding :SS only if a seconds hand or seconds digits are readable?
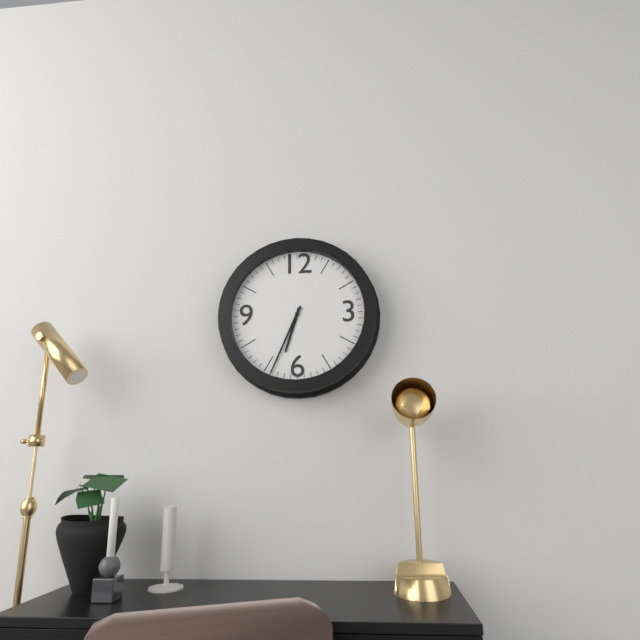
6:34
